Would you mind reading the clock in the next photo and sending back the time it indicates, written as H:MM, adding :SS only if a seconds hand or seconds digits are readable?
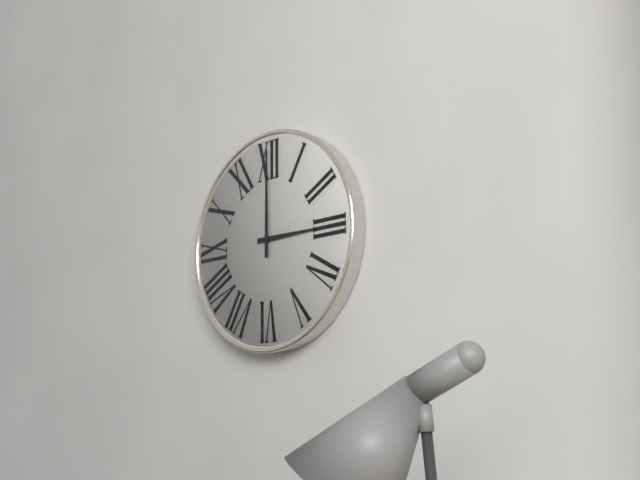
3:00
